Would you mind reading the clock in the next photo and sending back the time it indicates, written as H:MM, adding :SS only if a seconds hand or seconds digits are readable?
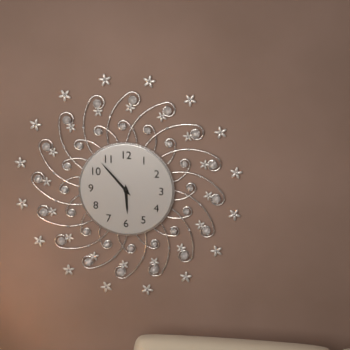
5:53
